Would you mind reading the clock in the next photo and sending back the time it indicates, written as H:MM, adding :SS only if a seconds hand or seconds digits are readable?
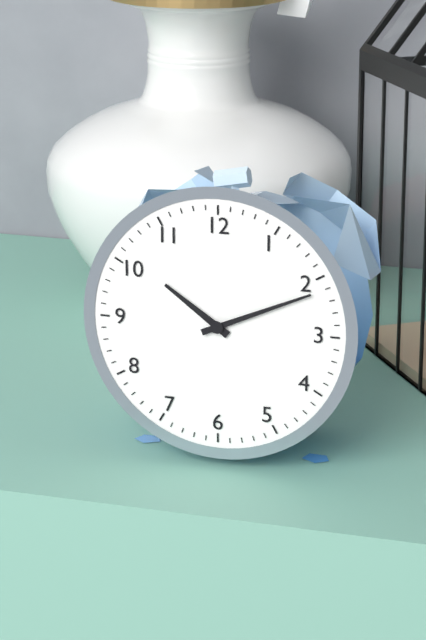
10:11
